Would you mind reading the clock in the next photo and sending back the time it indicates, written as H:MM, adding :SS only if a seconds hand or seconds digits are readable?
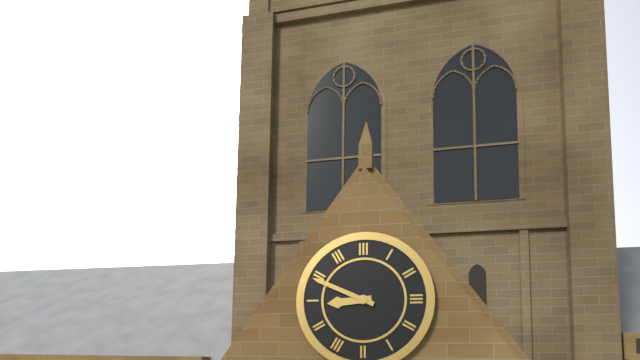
8:49
